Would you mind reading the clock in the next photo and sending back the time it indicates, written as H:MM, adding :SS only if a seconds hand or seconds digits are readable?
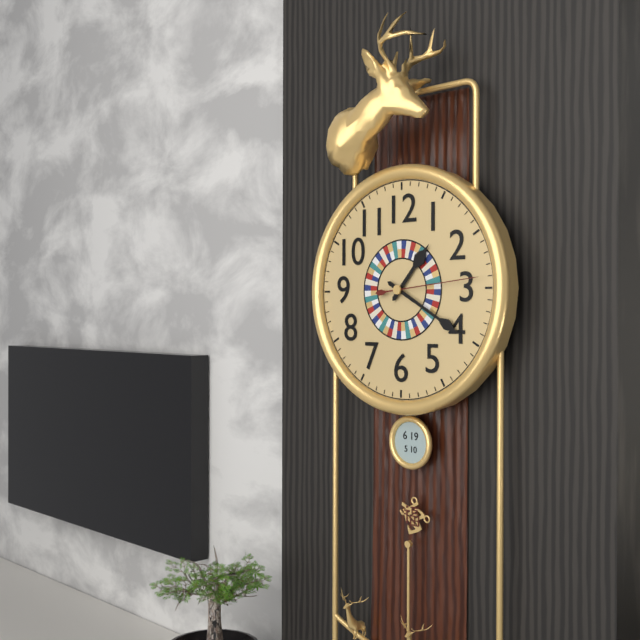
1:20:14
